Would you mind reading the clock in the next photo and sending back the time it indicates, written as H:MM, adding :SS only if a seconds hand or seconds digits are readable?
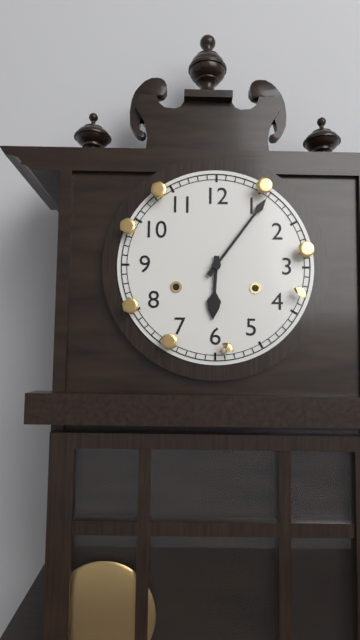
6:06
